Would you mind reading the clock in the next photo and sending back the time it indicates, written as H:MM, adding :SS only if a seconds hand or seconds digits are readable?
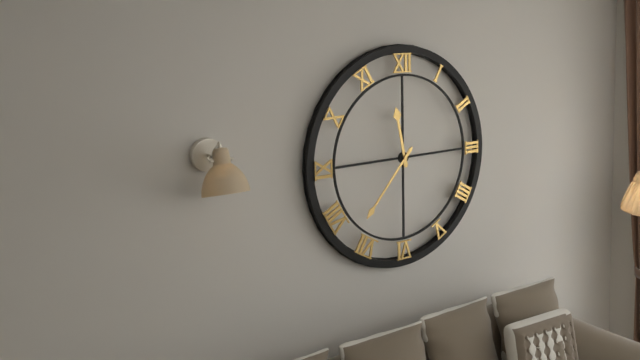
11:37
